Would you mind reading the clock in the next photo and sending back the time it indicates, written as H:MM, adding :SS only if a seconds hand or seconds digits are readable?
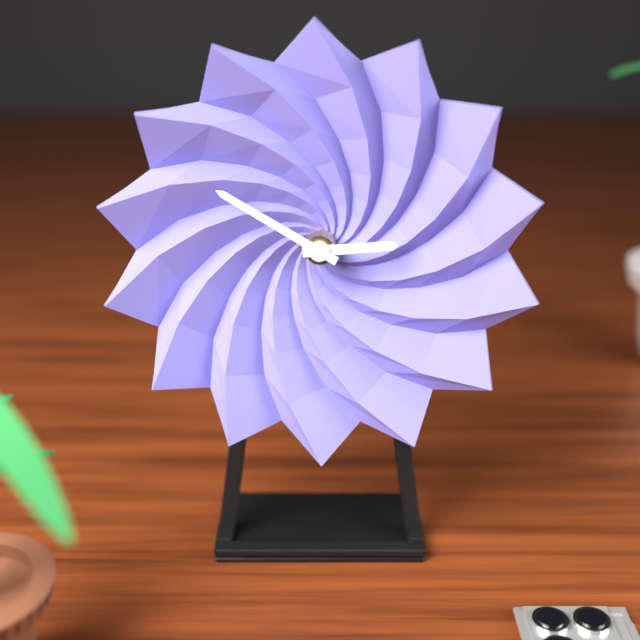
2:50
